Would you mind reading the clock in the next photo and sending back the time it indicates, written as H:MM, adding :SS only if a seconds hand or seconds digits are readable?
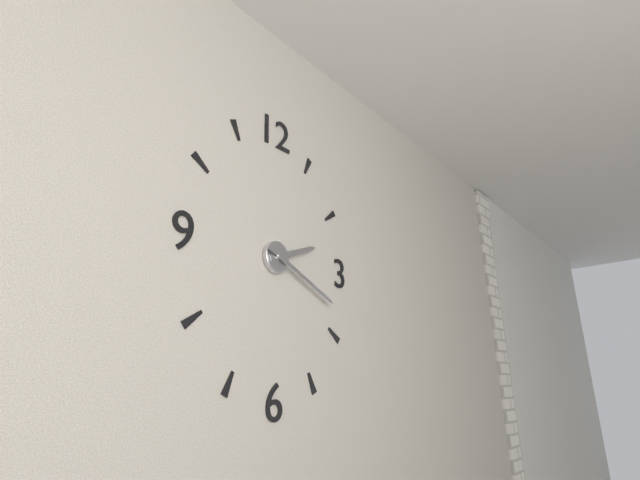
2:19
